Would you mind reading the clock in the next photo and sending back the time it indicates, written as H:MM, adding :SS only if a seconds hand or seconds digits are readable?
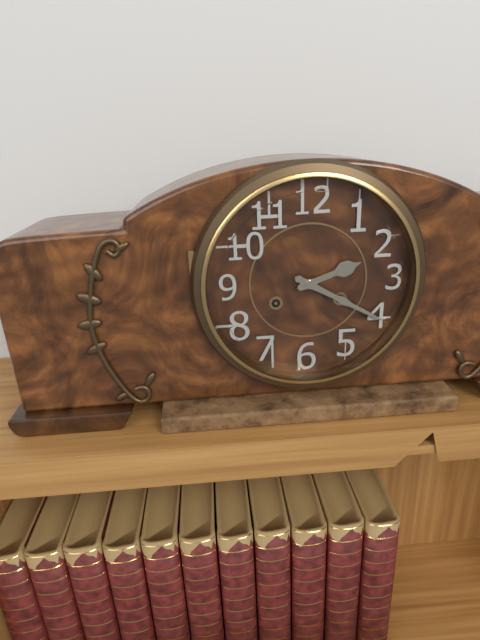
2:20
